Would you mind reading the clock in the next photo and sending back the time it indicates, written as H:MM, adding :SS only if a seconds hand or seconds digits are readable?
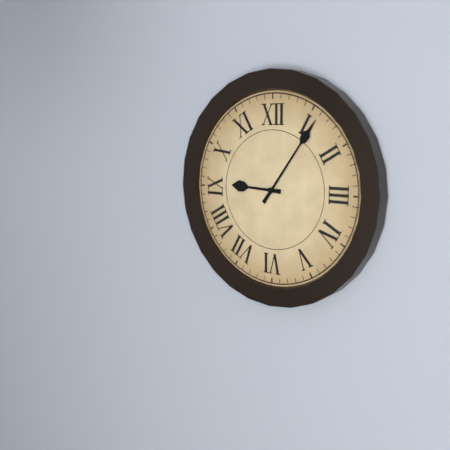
9:06
